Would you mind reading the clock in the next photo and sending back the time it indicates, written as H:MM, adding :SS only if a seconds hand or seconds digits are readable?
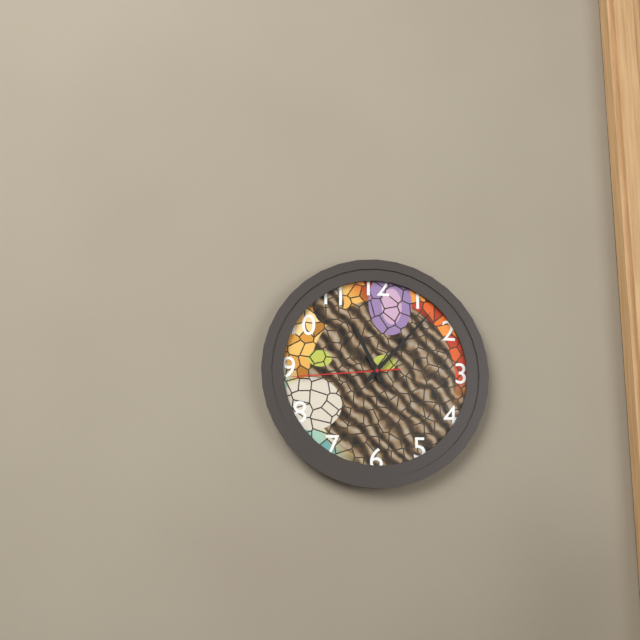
11:07:44
